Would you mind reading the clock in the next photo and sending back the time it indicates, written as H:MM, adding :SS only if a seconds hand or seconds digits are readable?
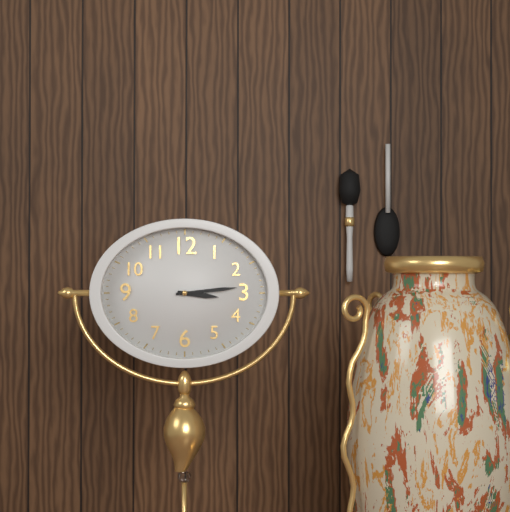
3:14
